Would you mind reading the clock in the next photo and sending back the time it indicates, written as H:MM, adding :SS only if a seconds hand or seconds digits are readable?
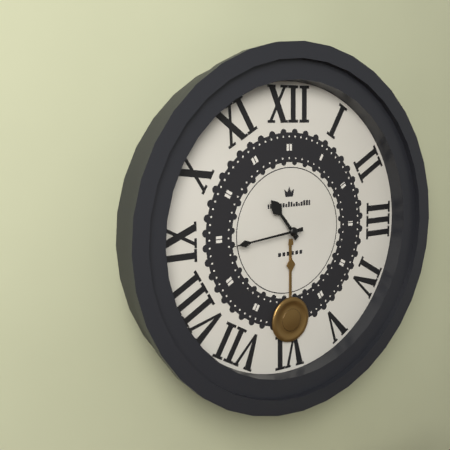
10:44
